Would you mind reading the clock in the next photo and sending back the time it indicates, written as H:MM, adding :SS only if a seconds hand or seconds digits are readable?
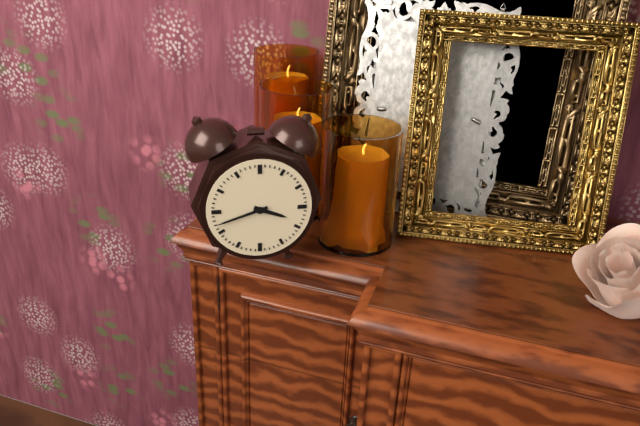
3:42
